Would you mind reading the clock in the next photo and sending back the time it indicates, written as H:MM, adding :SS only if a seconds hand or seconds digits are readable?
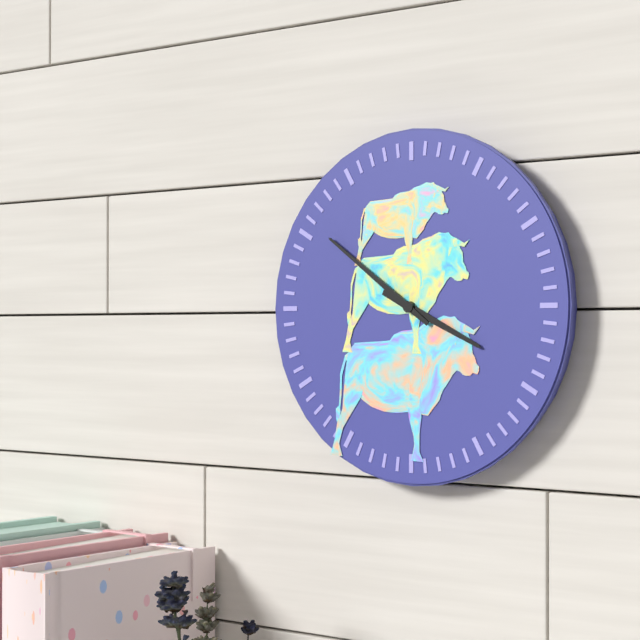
3:51
